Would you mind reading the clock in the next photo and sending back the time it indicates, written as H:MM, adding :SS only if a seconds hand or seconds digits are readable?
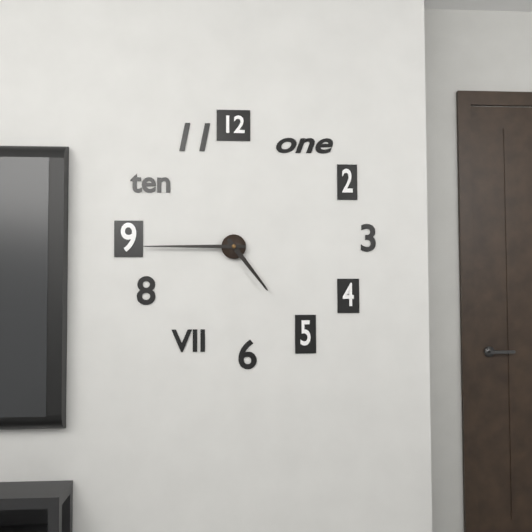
4:45
